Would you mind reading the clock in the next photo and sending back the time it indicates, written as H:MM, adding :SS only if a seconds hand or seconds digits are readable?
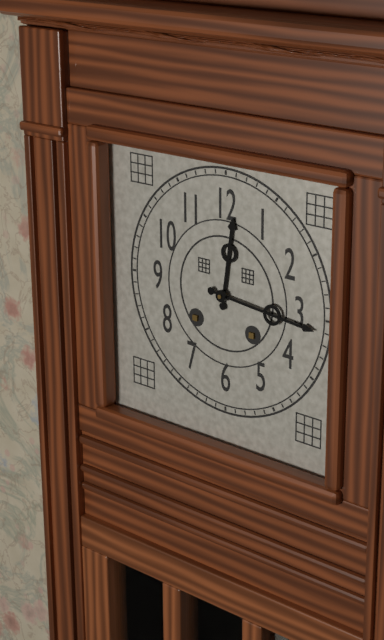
12:16
